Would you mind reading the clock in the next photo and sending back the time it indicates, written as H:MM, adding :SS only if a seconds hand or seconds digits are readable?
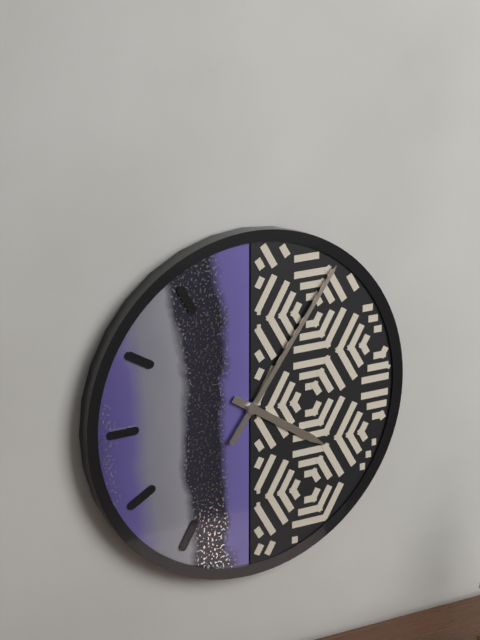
4:06
